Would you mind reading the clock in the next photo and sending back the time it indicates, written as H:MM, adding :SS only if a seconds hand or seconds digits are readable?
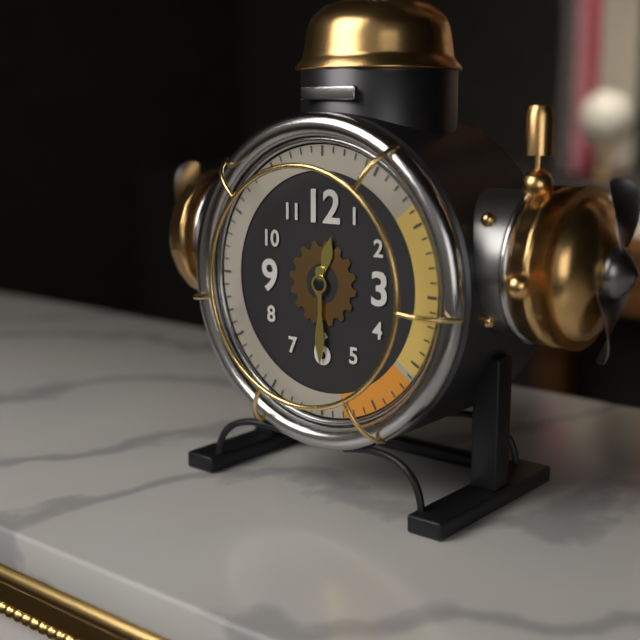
12:30
